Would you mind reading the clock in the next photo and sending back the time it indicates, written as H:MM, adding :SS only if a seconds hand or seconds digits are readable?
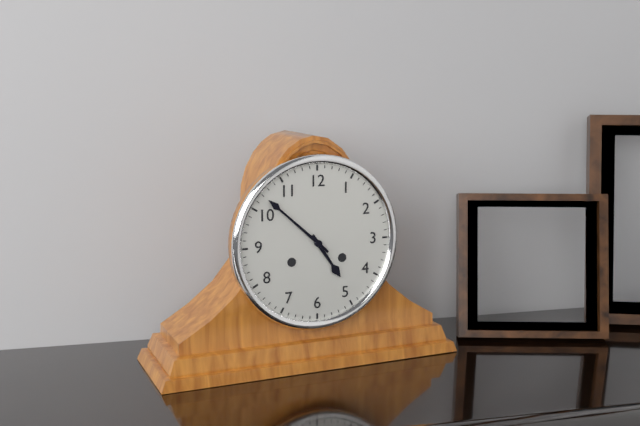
4:52
